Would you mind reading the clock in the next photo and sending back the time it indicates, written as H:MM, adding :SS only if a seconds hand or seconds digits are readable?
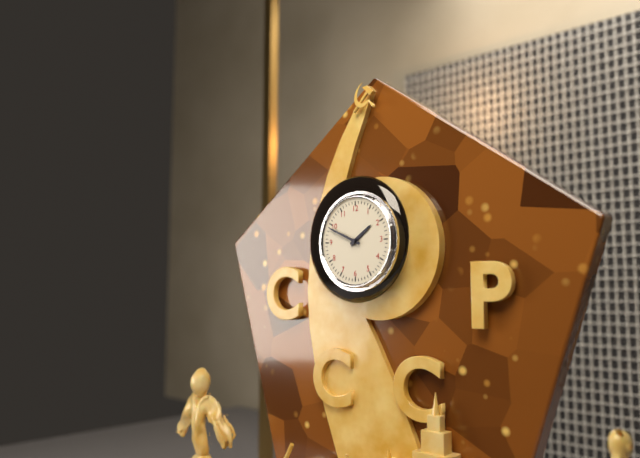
1:49
